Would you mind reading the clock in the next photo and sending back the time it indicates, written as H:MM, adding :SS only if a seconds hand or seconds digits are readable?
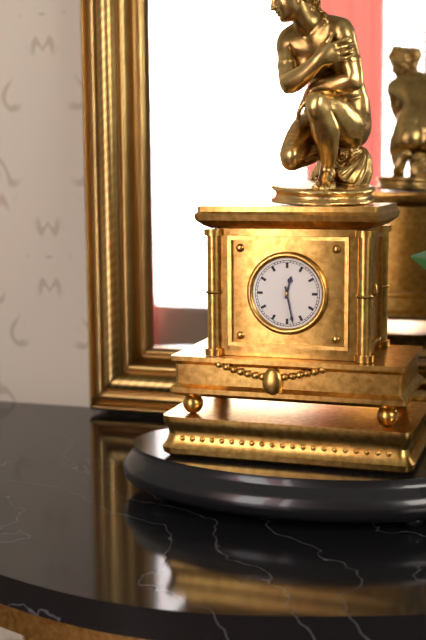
12:28
